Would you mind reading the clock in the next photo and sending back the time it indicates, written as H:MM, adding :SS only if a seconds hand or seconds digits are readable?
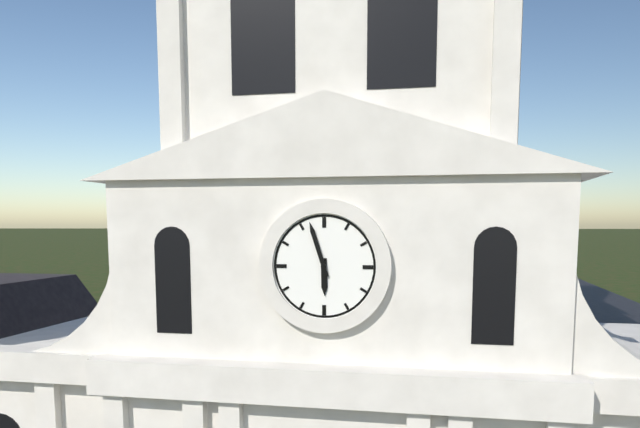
5:57
